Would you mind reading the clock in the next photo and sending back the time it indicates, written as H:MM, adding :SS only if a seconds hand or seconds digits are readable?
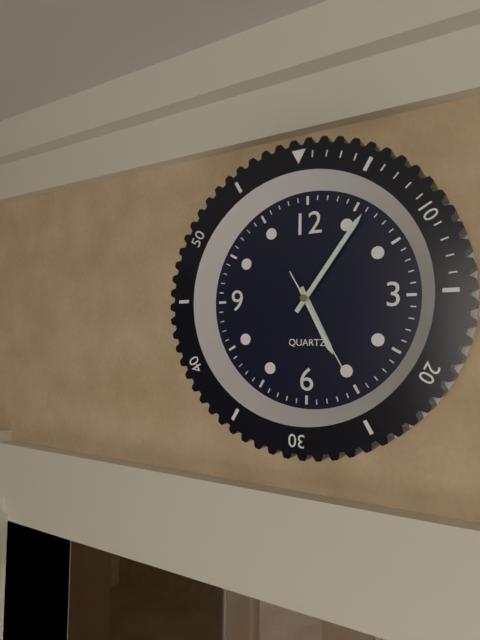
5:06:25
